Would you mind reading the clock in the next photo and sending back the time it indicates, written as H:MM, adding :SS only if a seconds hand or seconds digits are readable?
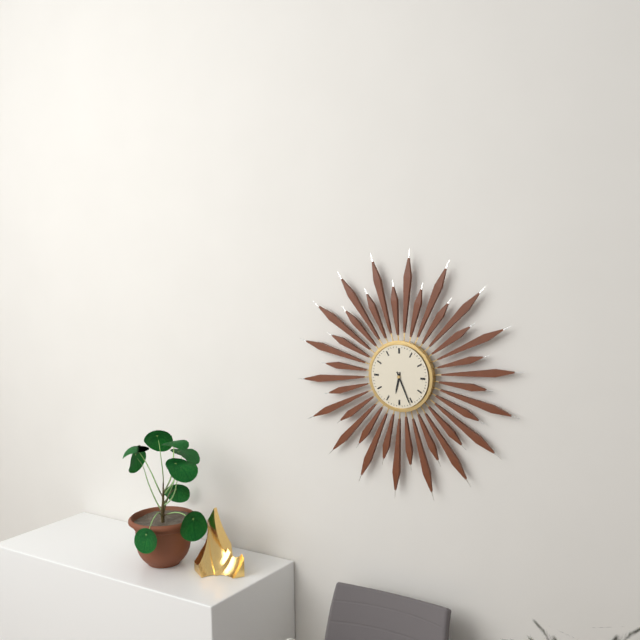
6:26
